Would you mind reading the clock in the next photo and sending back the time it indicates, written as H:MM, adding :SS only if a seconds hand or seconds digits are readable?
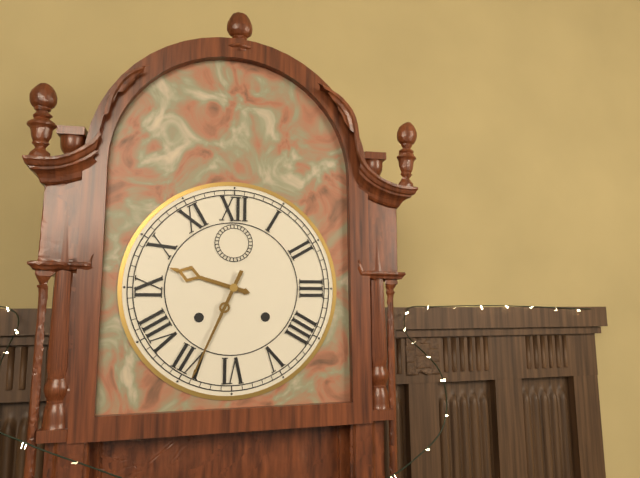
9:34
